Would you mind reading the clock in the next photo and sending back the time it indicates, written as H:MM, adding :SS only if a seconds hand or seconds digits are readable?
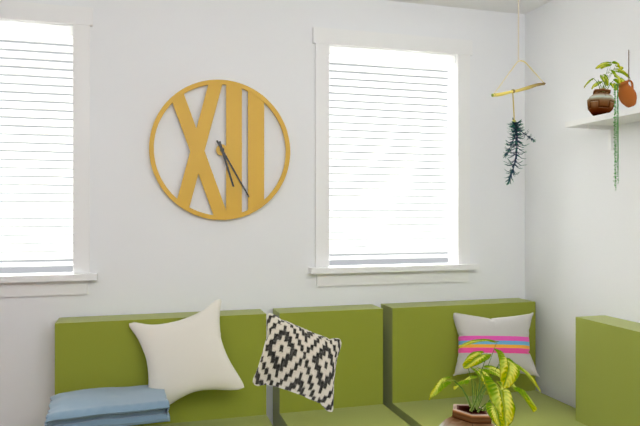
5:25
